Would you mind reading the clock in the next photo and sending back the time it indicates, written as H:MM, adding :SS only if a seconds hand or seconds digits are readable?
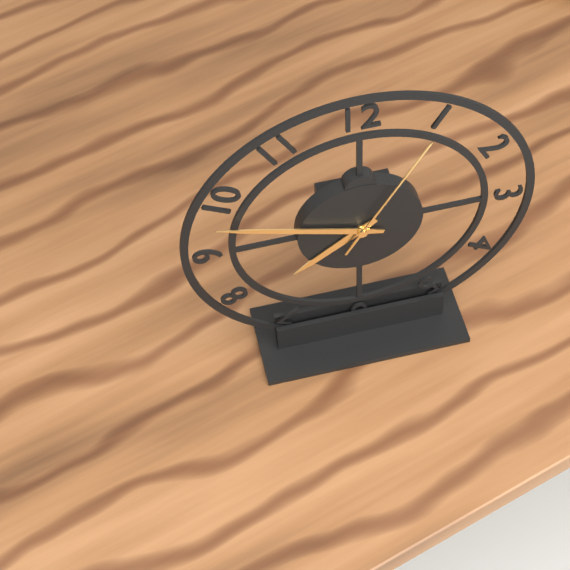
7:48:05
